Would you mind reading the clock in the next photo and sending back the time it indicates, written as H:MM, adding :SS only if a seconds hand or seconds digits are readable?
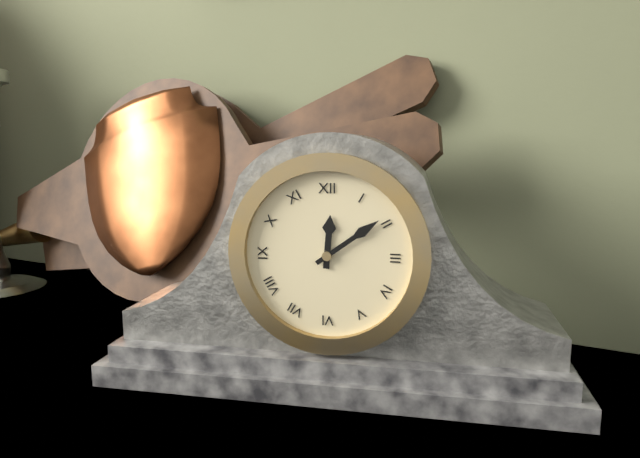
12:09
